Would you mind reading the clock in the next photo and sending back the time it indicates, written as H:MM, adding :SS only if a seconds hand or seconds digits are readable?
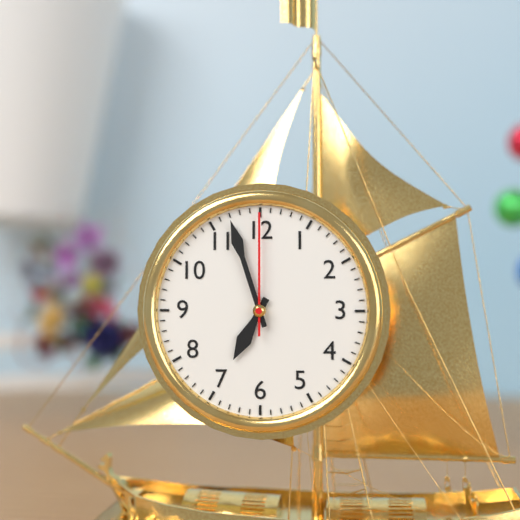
6:57:00
